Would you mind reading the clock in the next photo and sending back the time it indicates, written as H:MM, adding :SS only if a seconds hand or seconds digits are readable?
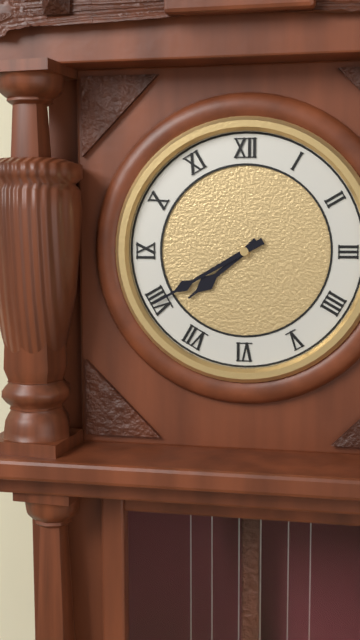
7:40
